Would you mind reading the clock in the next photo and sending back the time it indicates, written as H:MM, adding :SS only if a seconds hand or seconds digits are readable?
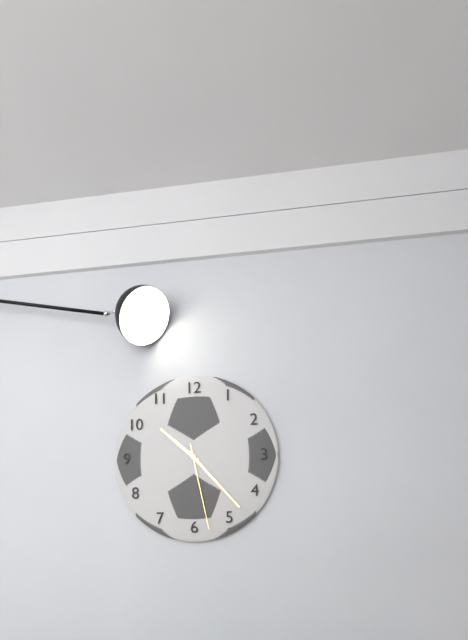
10:23:28
